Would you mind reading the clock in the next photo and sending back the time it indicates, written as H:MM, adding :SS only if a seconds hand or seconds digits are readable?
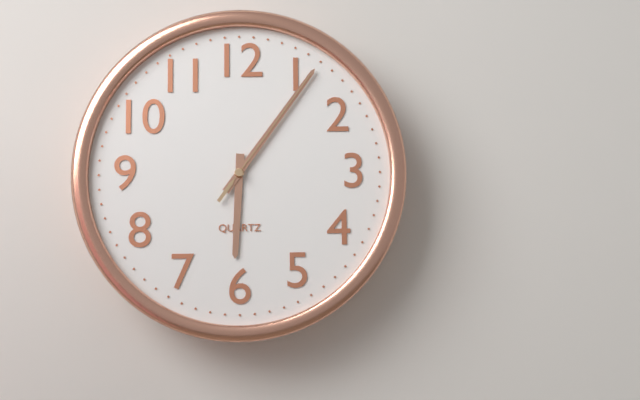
6:06:06
